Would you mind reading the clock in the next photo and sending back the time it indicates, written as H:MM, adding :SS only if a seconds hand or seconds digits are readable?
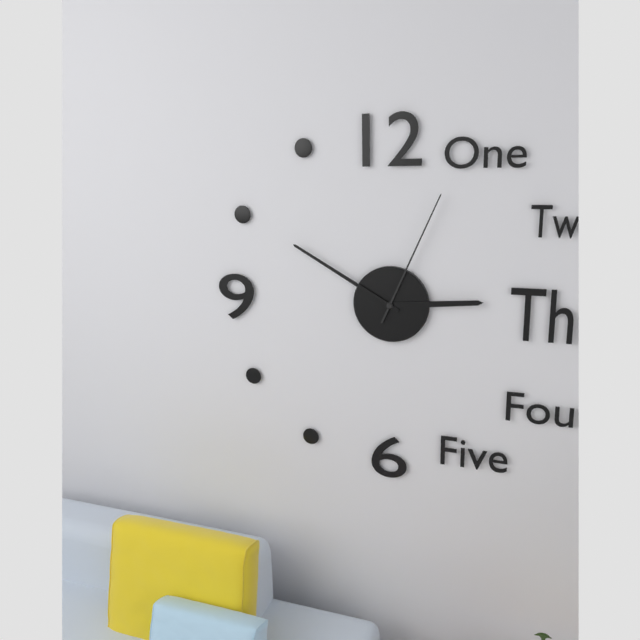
2:50:04
